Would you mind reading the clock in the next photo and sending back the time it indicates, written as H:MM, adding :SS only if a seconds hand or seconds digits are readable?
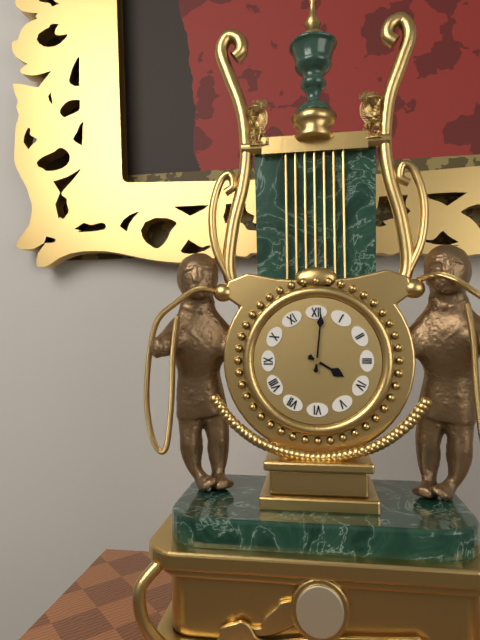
4:01
